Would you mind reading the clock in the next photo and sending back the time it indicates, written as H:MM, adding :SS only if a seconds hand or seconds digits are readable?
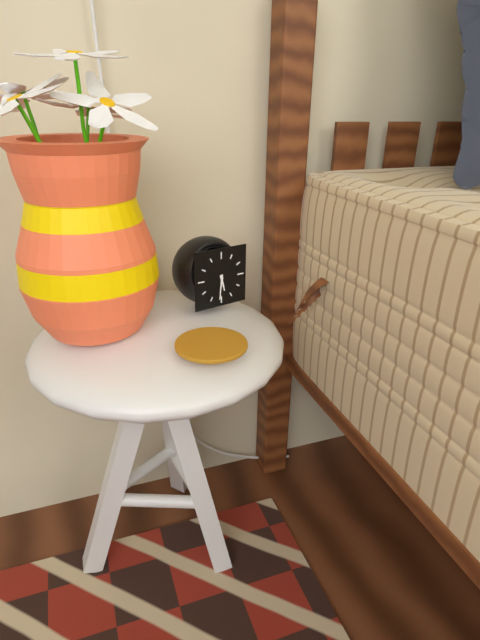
5:31
